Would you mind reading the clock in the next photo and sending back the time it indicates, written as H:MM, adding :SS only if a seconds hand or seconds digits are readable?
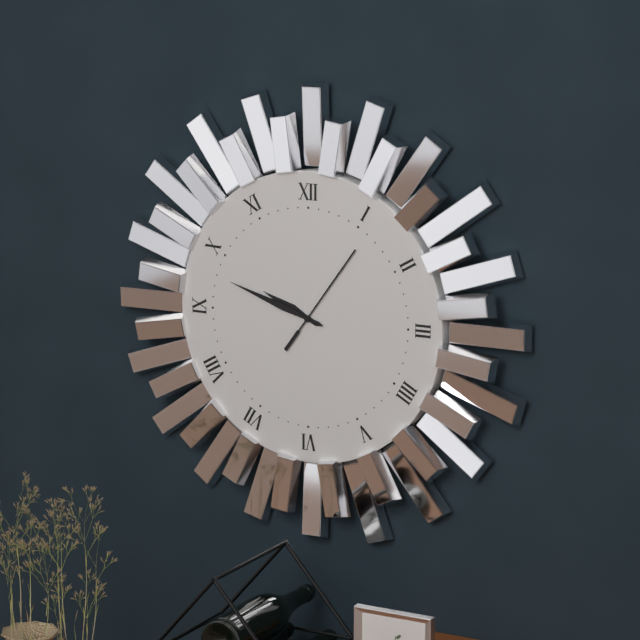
9:48:06
